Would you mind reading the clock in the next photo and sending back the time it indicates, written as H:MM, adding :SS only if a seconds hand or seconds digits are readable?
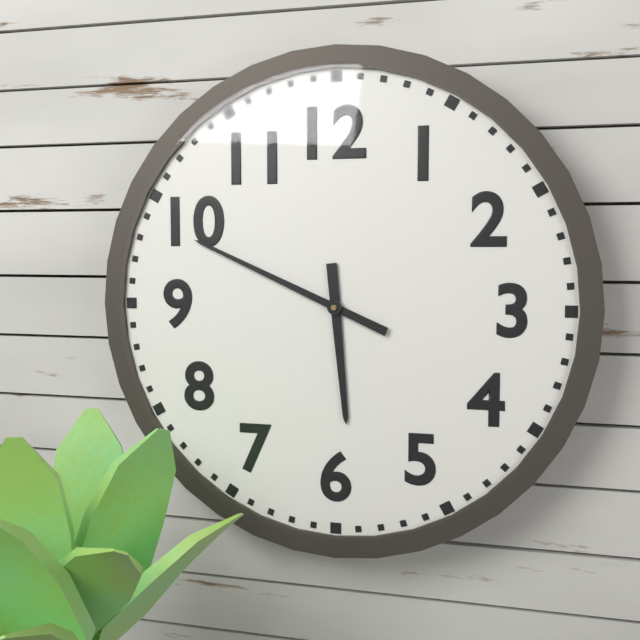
5:49
